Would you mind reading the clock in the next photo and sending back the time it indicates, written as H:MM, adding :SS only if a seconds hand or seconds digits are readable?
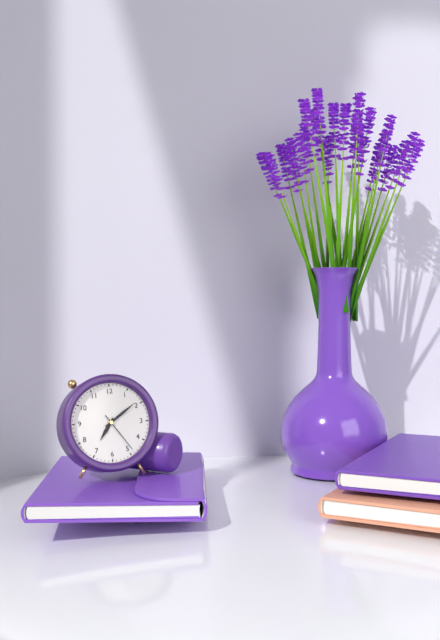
7:09
